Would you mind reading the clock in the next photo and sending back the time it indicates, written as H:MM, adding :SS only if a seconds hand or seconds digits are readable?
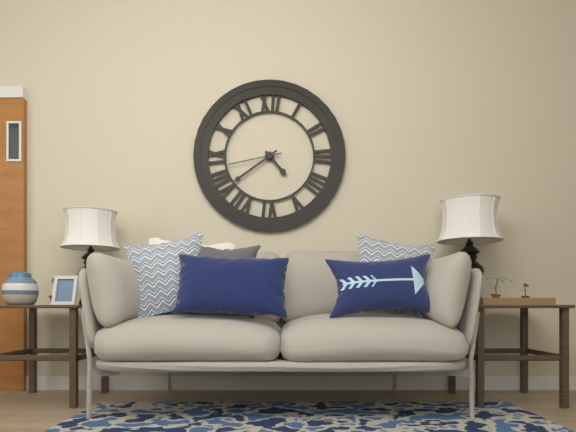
4:39:43
